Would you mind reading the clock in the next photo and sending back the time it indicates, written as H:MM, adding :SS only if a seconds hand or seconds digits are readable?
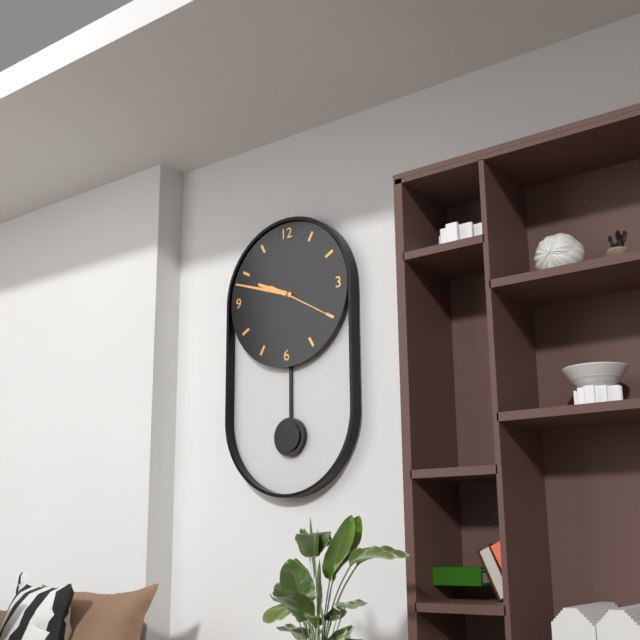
9:48:20
